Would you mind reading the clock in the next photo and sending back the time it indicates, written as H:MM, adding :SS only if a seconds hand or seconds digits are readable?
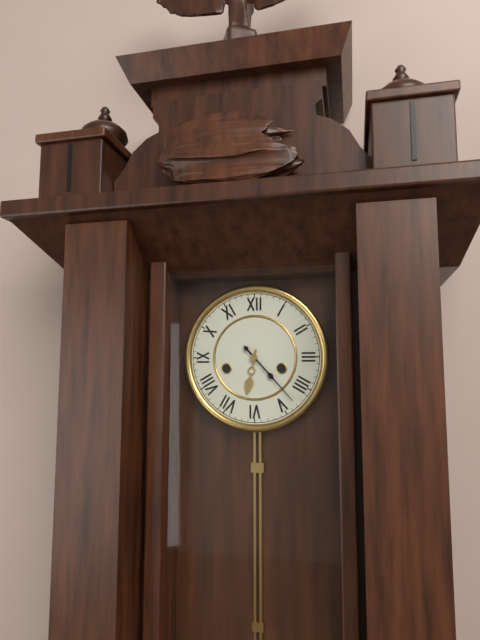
6:23
